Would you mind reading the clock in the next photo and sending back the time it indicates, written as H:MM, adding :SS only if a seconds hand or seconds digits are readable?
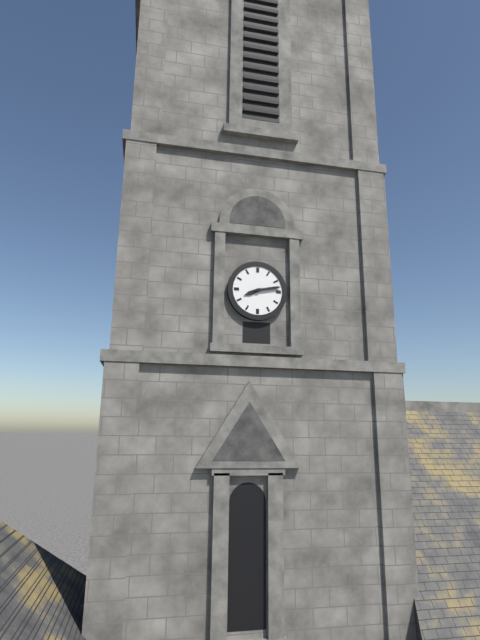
8:13
